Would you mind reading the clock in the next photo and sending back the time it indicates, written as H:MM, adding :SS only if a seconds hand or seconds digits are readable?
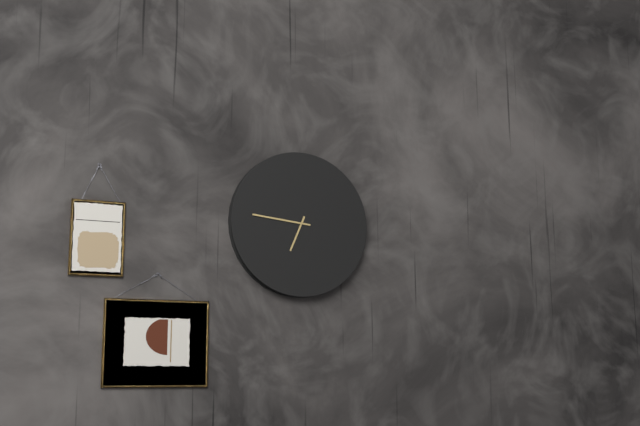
6:46
